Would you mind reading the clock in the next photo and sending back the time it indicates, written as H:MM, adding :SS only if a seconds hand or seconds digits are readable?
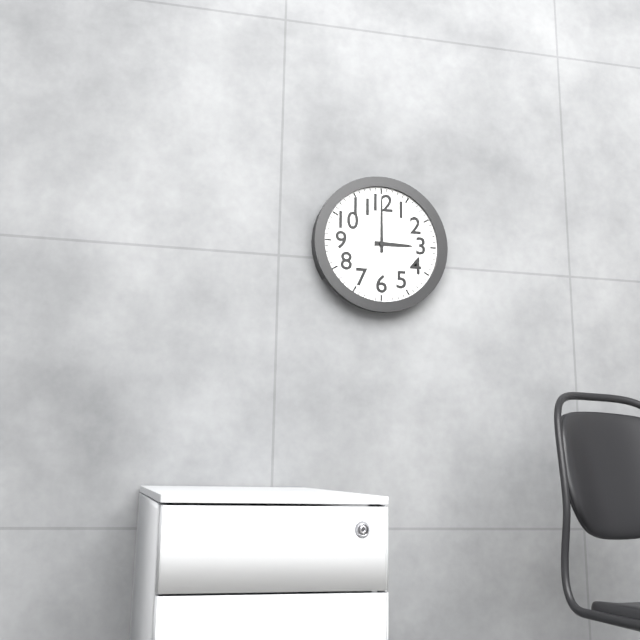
3:00
